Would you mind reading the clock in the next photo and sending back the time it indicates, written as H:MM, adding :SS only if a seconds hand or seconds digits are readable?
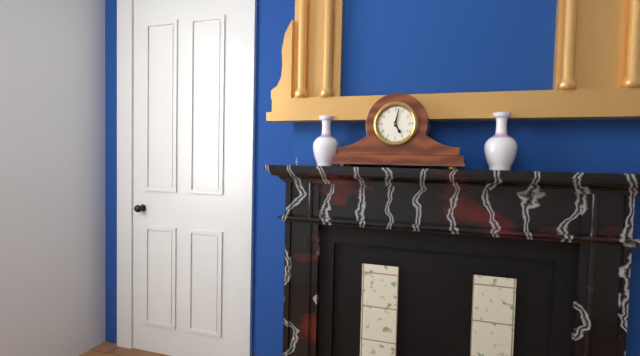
5:02
